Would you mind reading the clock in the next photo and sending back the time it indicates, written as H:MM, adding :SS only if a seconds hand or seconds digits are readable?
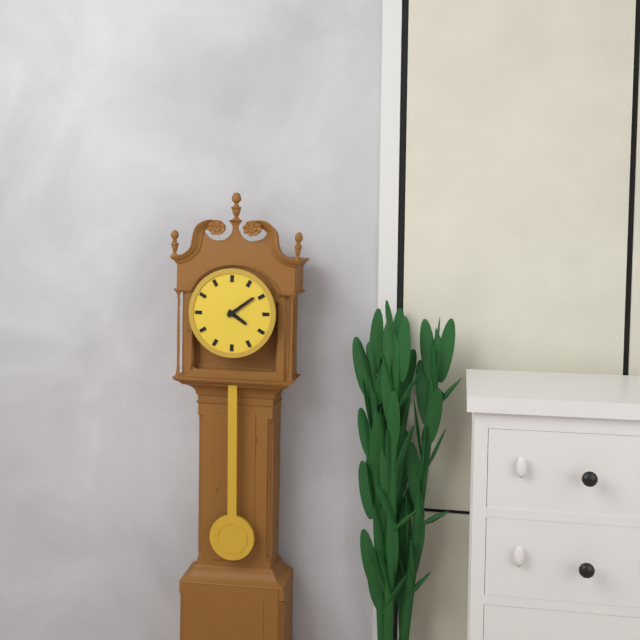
4:09
